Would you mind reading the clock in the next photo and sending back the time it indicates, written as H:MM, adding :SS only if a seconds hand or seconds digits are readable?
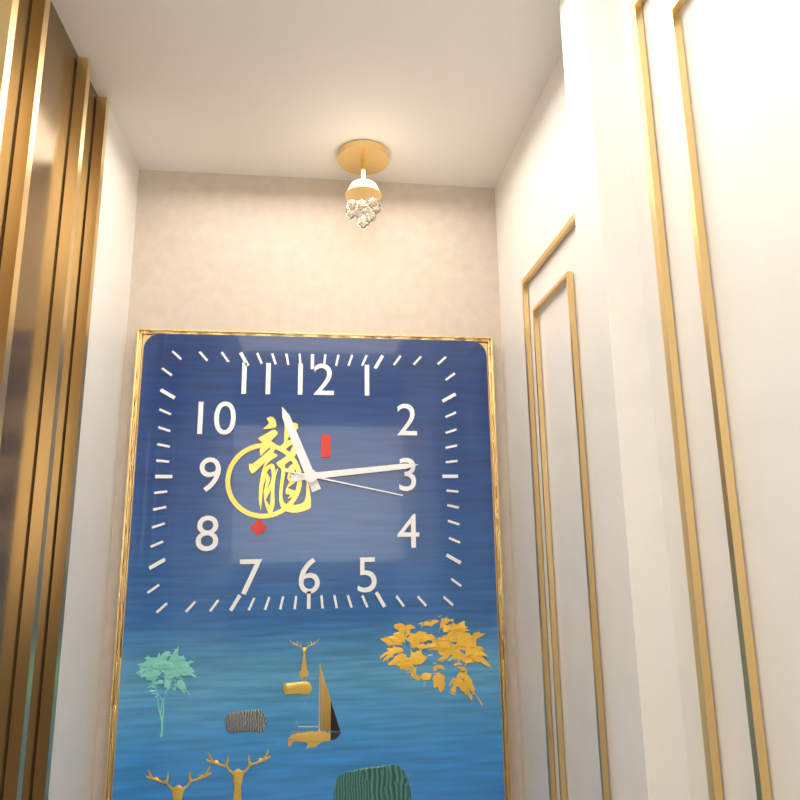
11:14:17
